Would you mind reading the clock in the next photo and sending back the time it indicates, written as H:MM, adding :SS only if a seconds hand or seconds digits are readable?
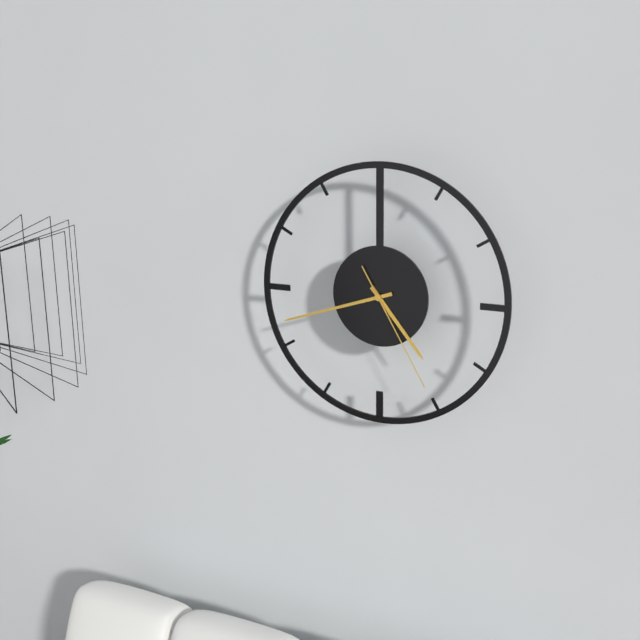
4:42:25
